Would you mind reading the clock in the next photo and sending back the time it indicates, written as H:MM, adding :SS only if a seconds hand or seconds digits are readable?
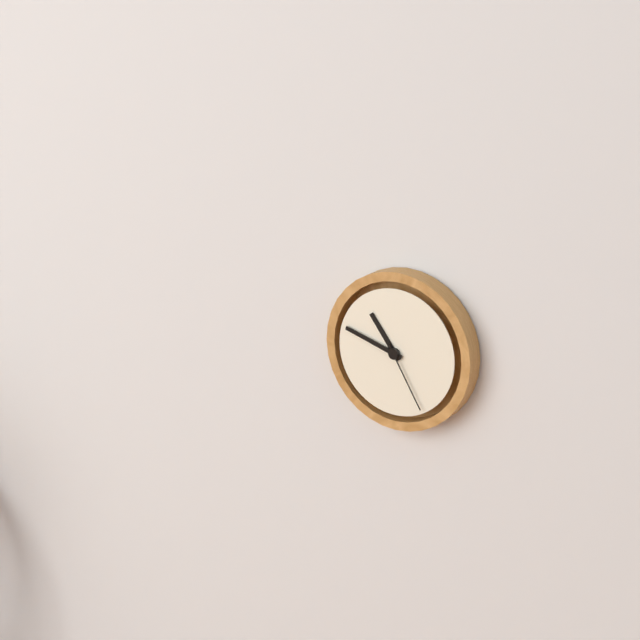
10:48:25
